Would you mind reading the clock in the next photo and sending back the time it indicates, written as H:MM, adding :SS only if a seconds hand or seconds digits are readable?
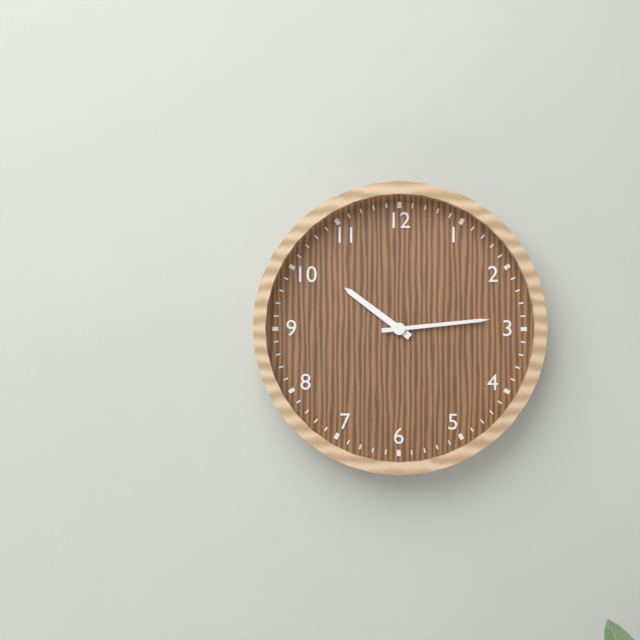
10:14
